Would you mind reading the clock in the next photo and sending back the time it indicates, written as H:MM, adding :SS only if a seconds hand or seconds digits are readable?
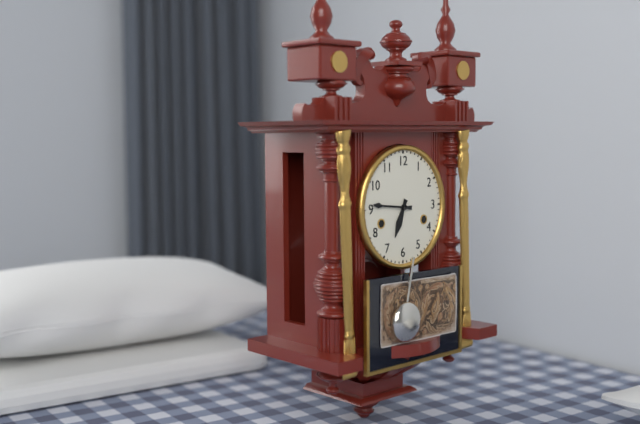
6:46
